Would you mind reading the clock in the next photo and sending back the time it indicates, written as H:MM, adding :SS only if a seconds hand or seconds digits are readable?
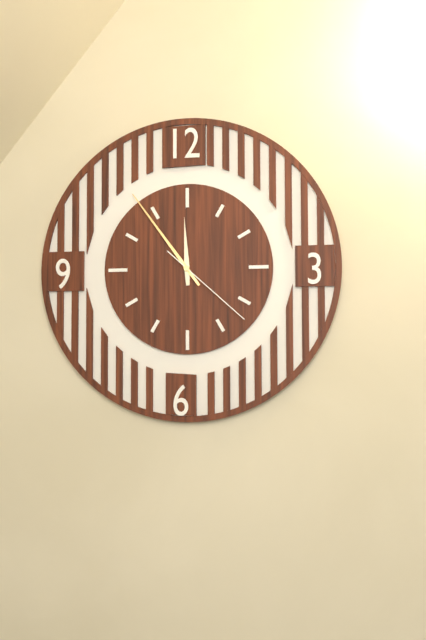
11:54:22
